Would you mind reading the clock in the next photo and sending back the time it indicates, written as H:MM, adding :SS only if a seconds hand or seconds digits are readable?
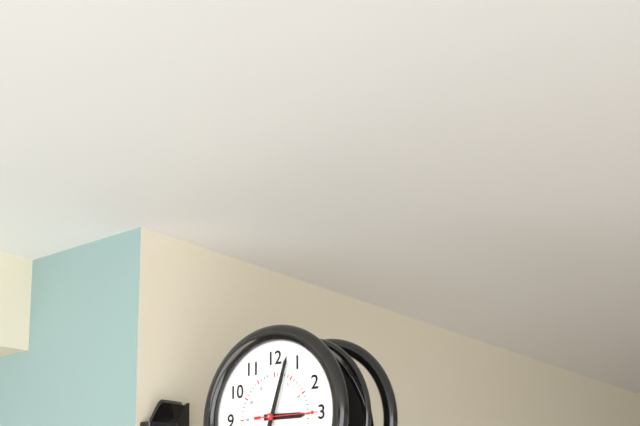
3:03:15
